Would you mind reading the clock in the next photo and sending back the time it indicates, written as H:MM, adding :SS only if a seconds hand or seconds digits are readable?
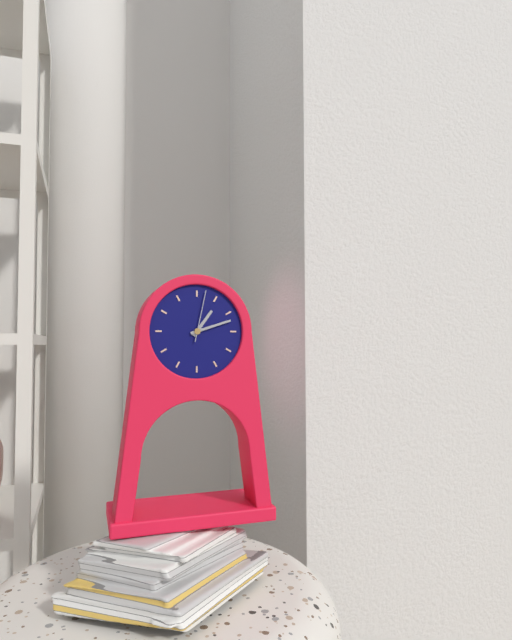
1:12:02
